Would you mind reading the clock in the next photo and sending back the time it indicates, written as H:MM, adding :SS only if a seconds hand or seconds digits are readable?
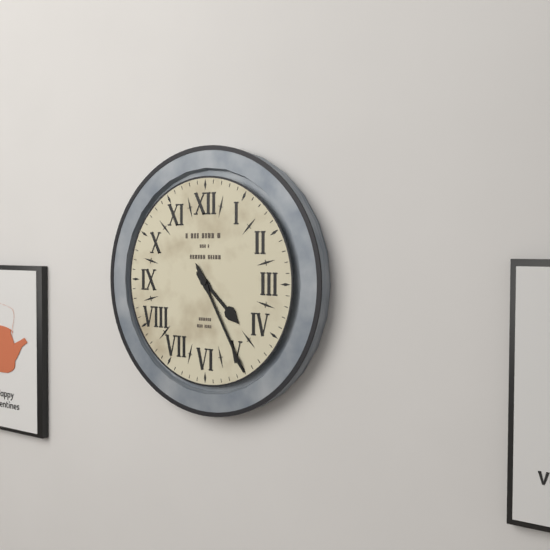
4:25
